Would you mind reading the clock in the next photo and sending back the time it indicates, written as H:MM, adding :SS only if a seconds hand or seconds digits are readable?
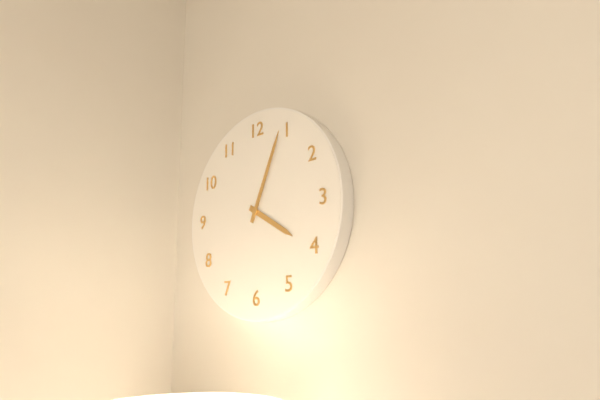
4:04
